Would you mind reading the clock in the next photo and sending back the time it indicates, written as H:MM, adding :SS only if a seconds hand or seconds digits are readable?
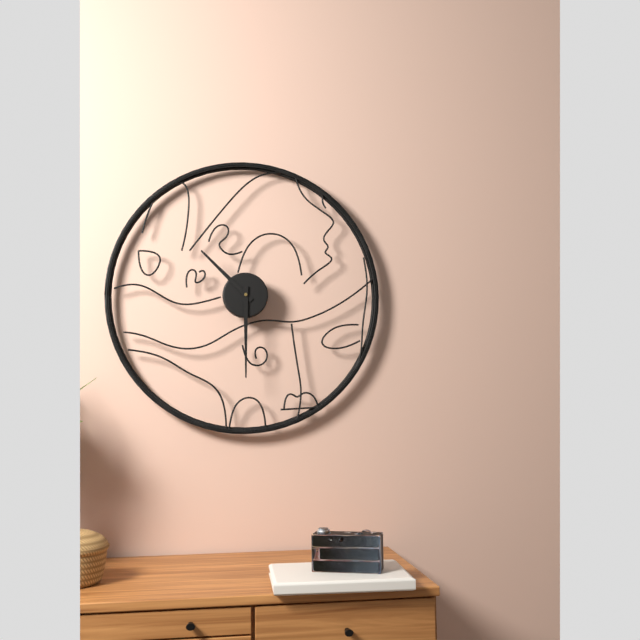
10:30
